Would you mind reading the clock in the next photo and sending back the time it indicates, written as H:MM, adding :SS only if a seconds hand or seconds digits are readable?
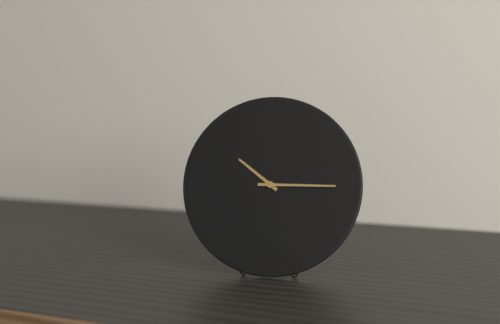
10:15
